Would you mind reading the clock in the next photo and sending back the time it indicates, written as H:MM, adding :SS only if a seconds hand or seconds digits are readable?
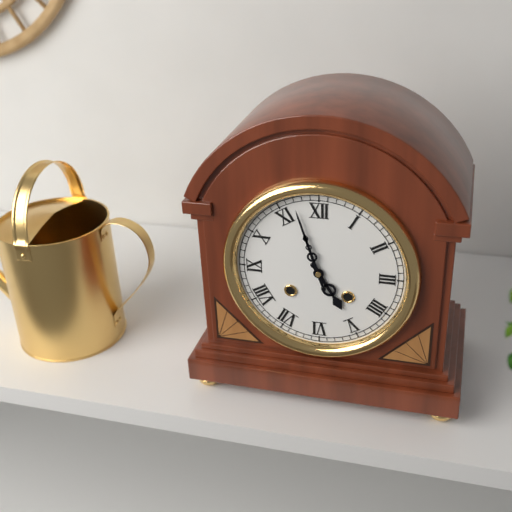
4:57
